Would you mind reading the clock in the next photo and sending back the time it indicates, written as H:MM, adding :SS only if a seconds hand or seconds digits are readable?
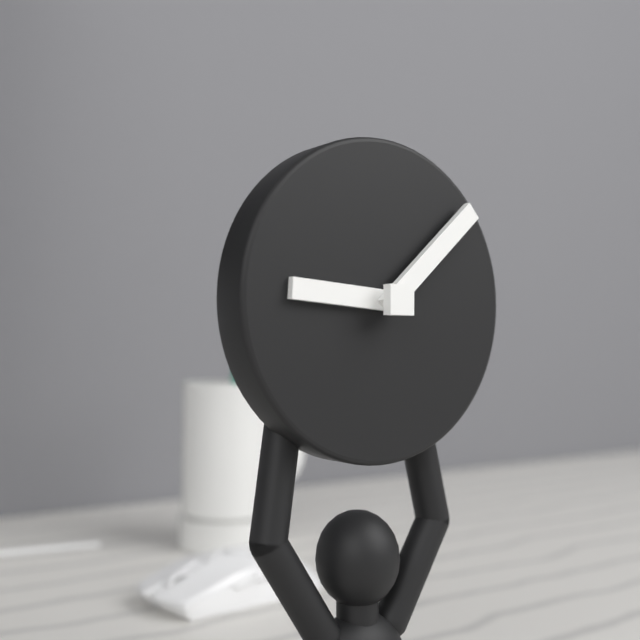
9:08
